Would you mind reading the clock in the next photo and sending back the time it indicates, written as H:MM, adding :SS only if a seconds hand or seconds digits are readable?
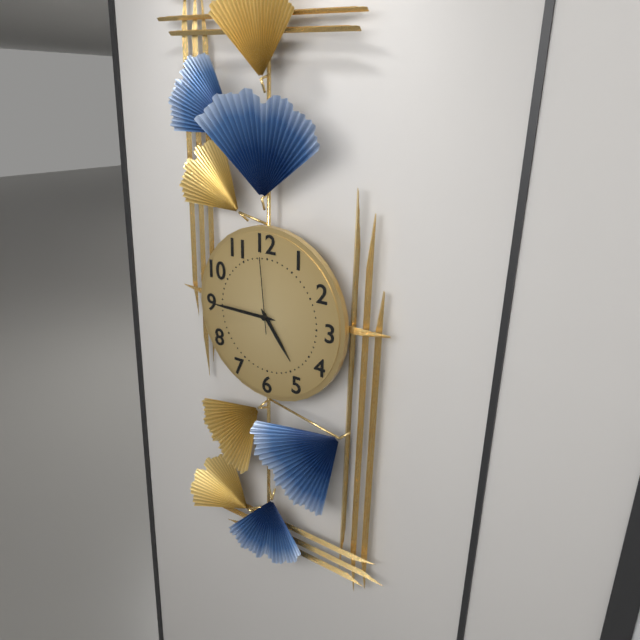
4:45:59
